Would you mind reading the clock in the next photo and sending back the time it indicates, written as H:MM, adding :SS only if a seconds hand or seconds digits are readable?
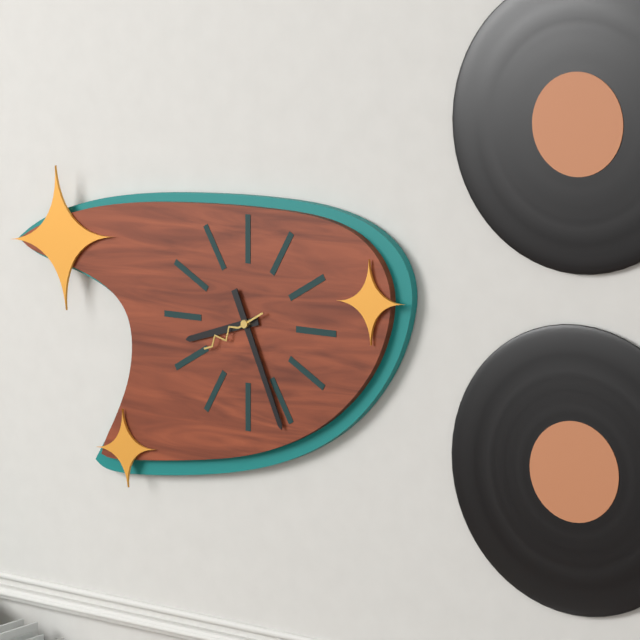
8:26:40
